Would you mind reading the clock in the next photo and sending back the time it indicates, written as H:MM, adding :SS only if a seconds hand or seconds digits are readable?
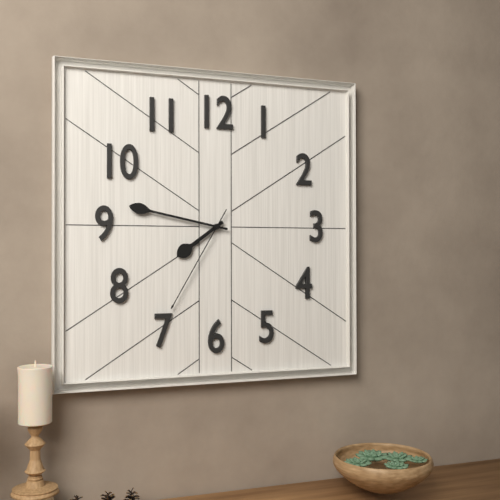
7:47:35
